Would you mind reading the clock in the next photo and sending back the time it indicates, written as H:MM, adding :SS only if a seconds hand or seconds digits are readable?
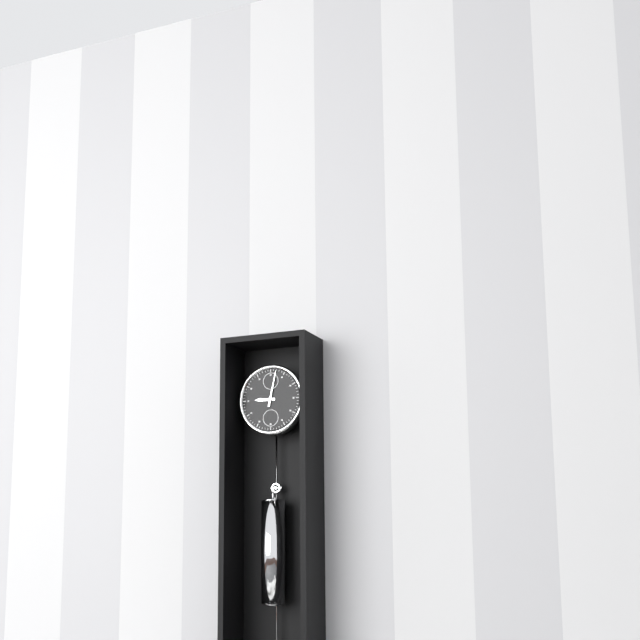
9:02
